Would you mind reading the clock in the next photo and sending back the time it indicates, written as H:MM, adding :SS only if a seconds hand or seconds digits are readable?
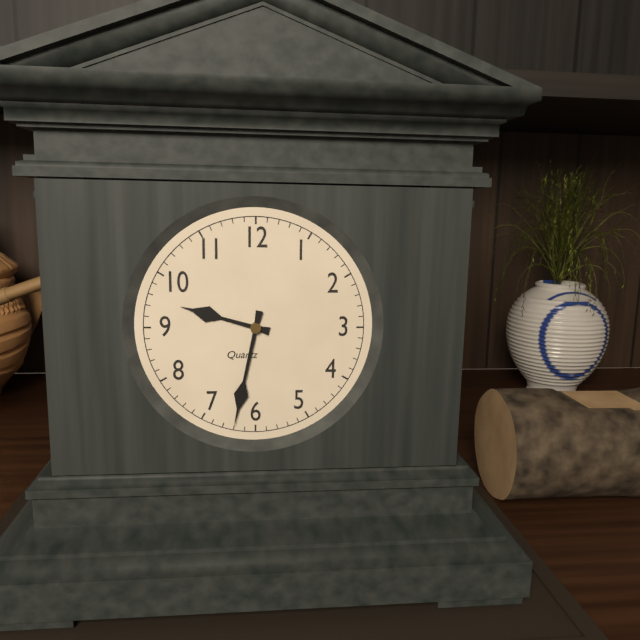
9:32
